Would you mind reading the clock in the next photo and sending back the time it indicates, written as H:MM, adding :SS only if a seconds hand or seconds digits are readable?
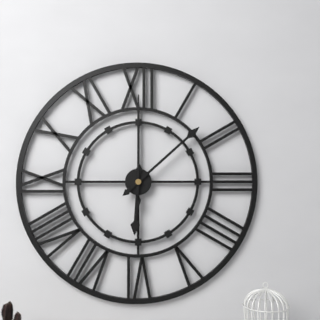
6:08:00
